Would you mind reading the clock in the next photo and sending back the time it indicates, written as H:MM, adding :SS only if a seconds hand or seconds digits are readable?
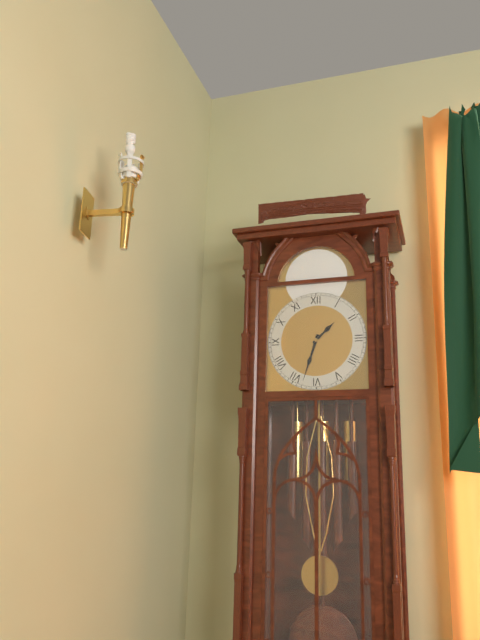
1:33
